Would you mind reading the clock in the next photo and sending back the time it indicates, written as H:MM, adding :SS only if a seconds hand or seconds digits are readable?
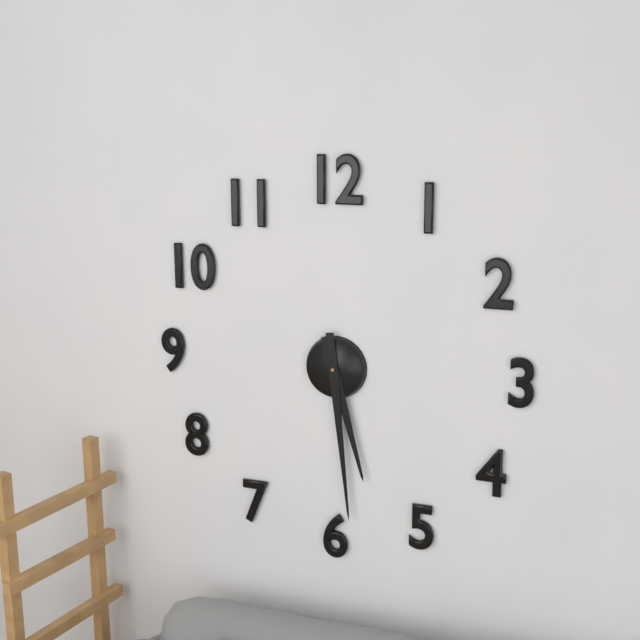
5:29
